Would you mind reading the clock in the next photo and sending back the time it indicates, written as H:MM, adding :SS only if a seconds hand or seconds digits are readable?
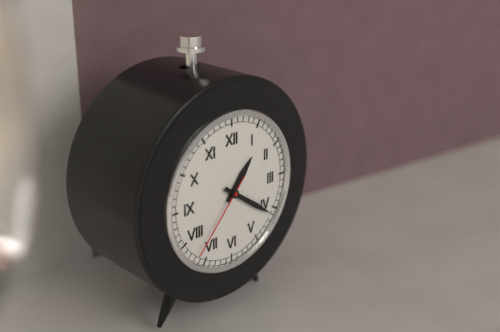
1:21:37
